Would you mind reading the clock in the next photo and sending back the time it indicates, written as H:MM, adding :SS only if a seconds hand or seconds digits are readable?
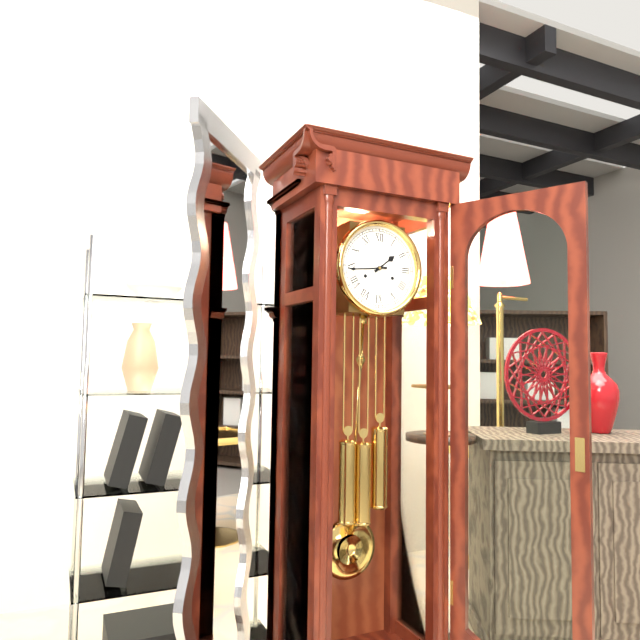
1:44
